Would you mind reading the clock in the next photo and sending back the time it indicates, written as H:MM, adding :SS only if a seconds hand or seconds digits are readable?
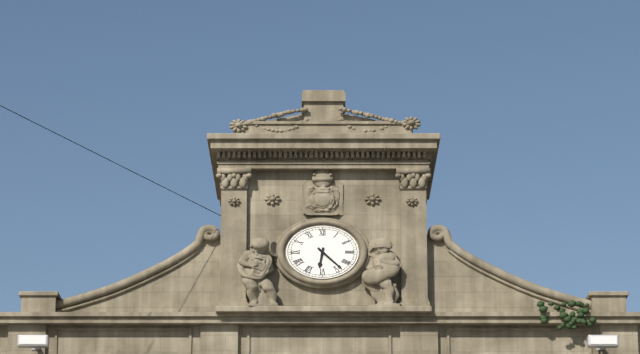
6:22
